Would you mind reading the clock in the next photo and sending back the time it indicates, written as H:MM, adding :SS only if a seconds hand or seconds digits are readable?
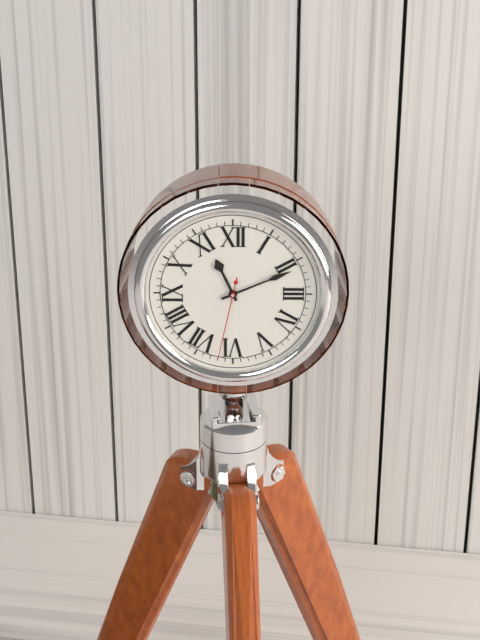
11:11:32
